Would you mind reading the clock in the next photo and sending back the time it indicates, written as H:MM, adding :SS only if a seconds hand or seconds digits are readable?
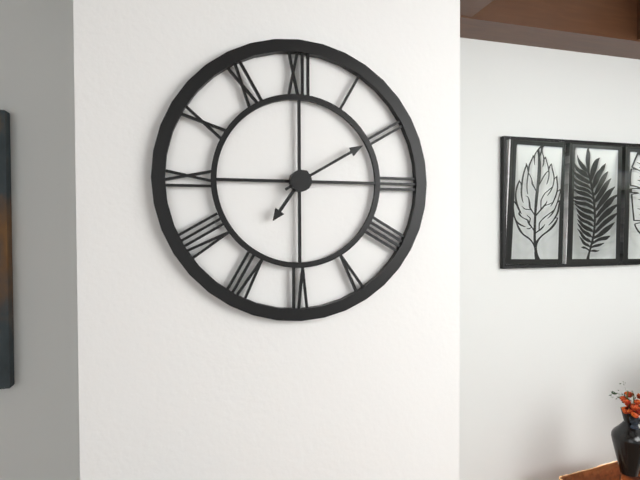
7:10
